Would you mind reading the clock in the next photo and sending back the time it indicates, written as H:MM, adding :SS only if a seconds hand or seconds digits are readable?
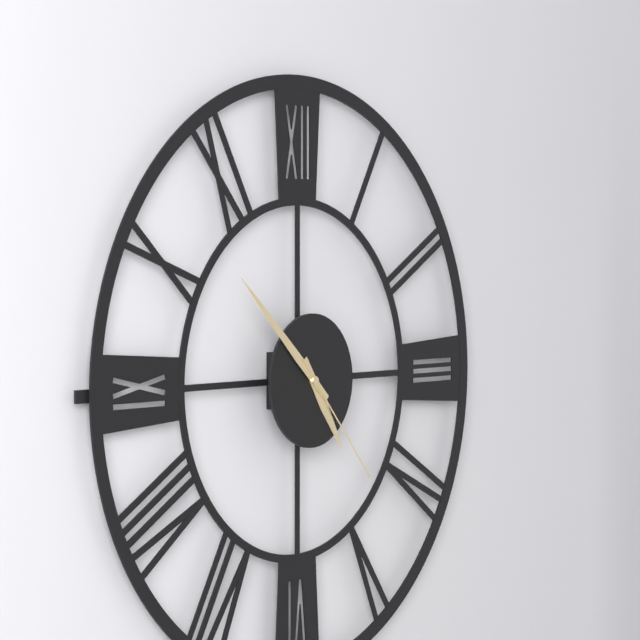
4:52:23
